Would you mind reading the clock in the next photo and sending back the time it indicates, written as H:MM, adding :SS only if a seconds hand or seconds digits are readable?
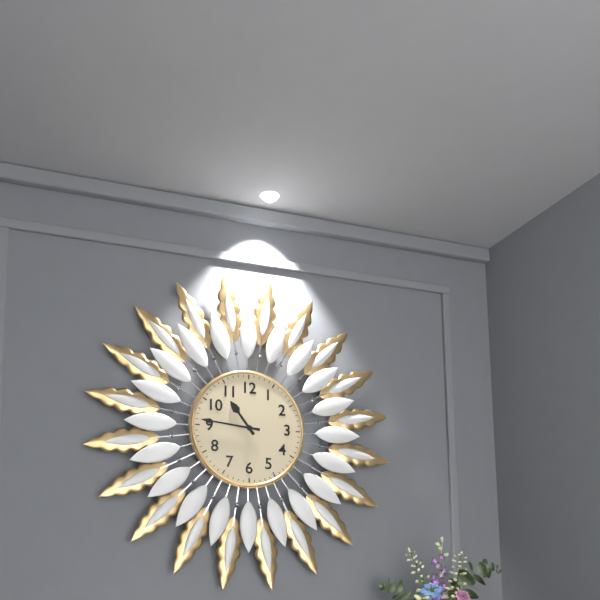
10:46
